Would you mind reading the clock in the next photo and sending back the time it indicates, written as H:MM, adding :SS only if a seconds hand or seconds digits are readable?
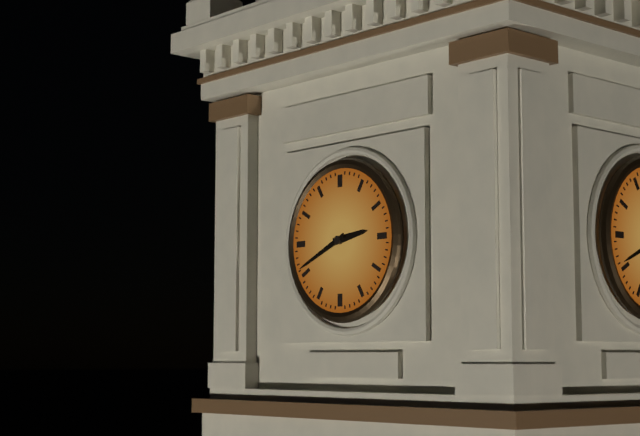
2:41
